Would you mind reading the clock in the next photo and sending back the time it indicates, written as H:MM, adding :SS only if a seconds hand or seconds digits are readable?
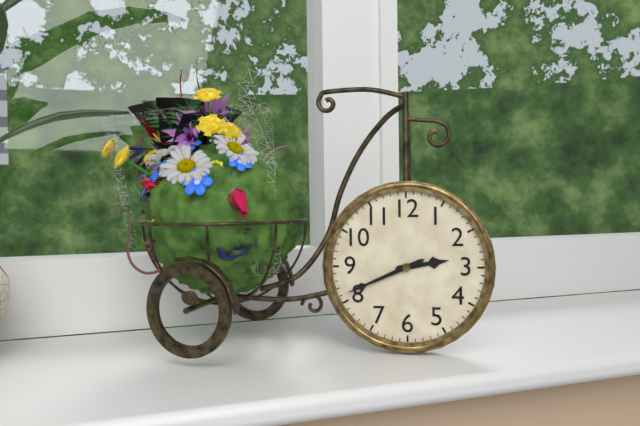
2:41
